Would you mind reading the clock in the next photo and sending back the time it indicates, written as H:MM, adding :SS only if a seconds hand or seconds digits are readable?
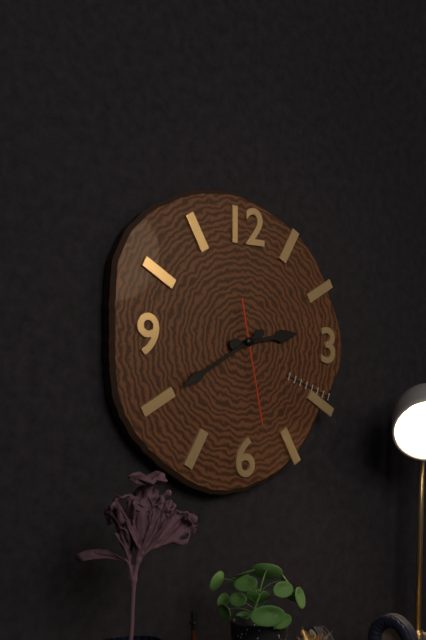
2:40:28
